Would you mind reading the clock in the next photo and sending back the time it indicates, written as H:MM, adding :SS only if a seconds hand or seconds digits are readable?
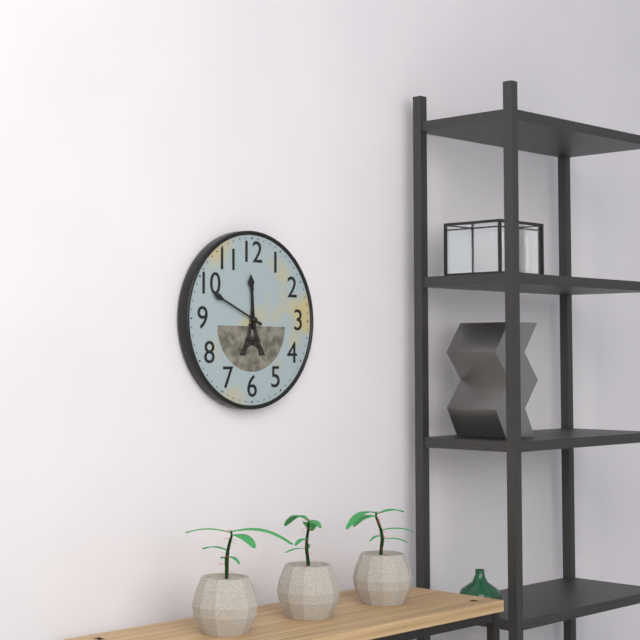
11:49
